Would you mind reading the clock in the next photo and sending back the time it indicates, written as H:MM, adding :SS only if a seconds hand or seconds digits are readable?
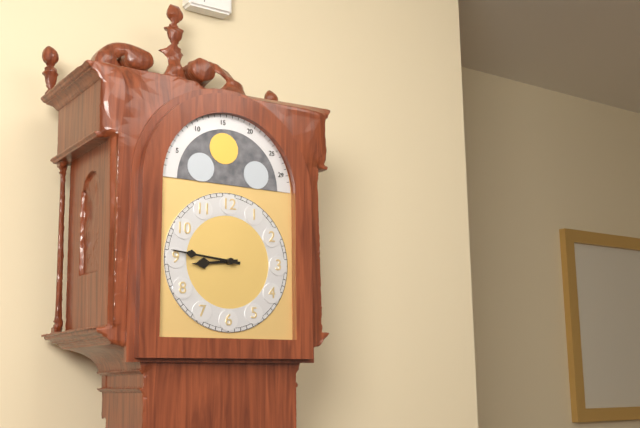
8:46
